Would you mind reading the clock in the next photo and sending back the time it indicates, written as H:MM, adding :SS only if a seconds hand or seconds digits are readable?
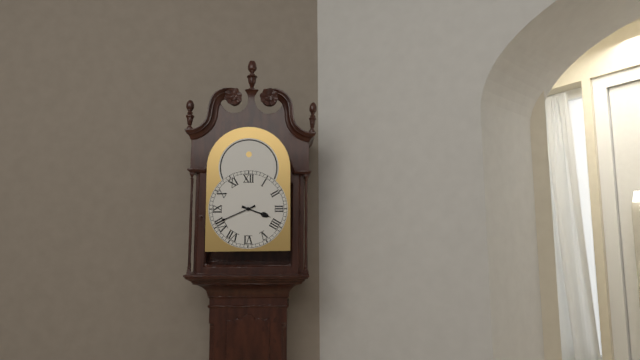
3:41
